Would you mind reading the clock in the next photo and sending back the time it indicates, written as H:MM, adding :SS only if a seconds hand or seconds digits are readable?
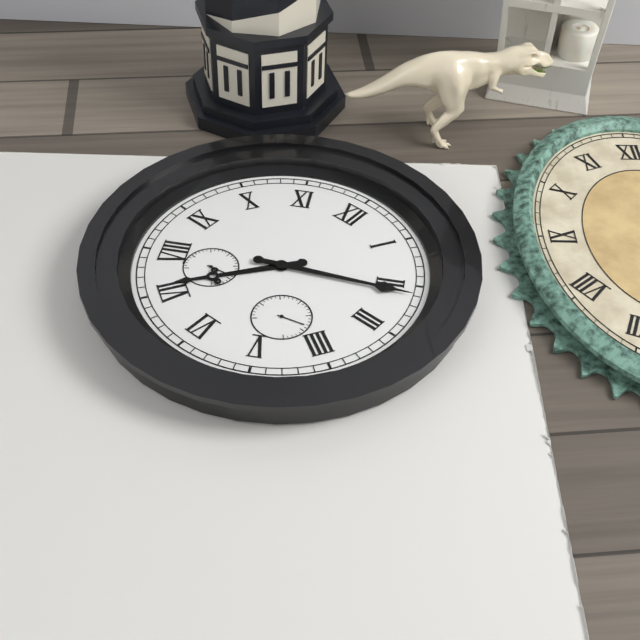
7:11
